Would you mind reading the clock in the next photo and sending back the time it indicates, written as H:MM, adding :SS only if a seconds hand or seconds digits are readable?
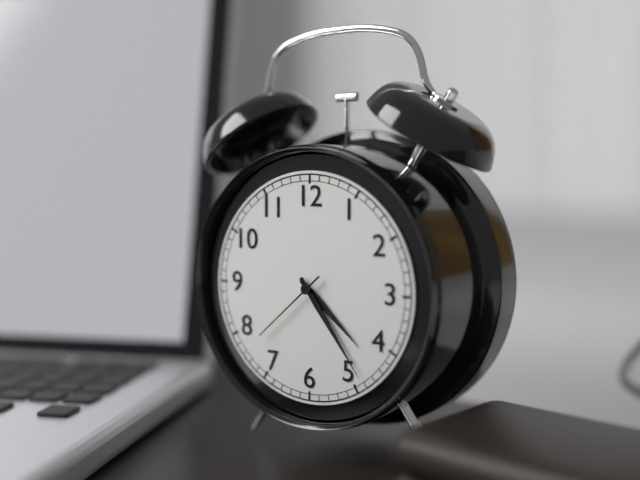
4:24:38
